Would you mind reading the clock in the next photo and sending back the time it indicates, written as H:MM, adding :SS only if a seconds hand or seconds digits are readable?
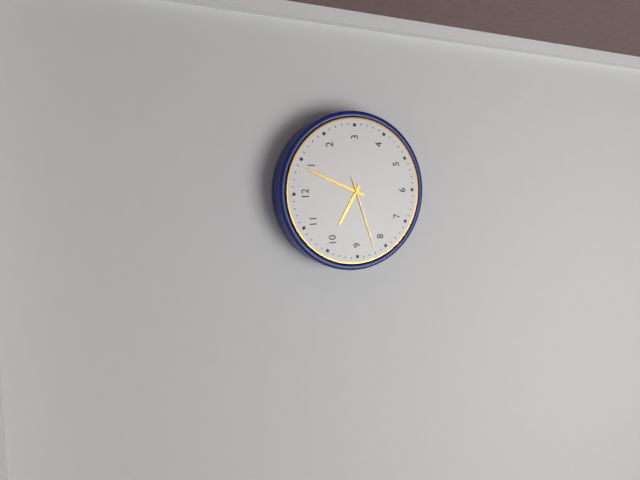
10:04:42
